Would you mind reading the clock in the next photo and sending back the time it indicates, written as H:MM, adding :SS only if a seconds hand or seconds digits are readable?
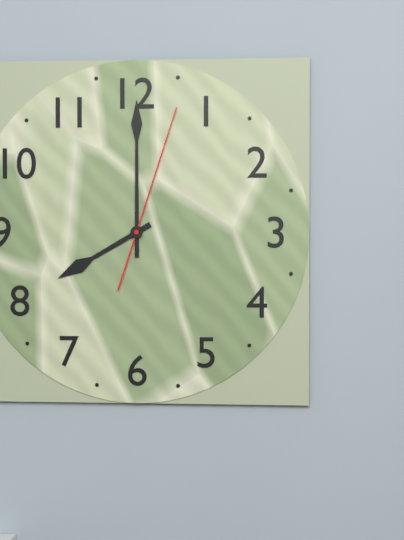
8:00:03
